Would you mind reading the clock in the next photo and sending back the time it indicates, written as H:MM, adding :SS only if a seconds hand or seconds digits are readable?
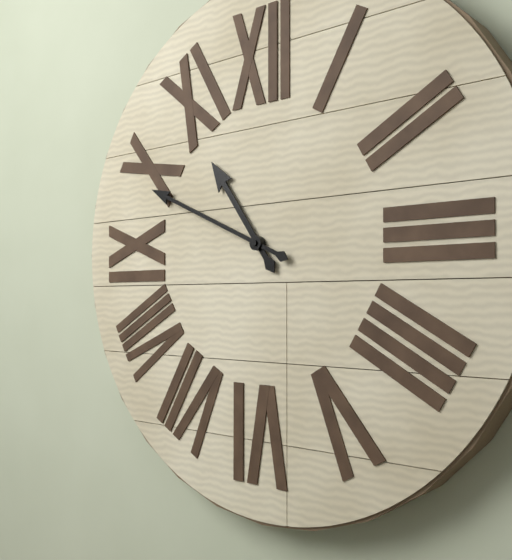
10:49
